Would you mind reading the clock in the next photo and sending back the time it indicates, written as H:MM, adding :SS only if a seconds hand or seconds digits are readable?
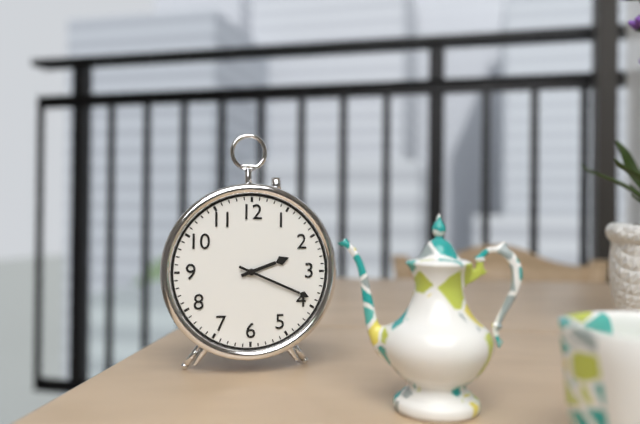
2:19
